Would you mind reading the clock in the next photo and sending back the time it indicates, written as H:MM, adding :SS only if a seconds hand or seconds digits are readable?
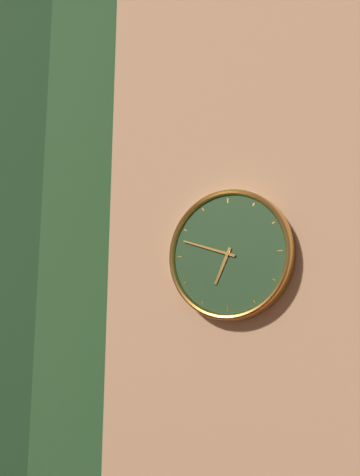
6:48
